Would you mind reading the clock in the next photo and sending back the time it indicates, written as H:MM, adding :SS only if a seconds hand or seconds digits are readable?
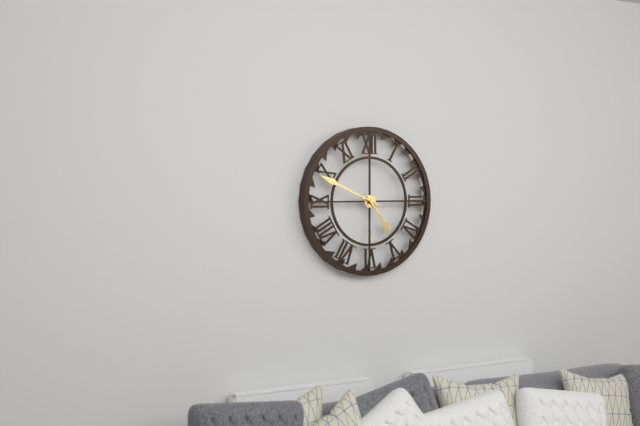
4:49
